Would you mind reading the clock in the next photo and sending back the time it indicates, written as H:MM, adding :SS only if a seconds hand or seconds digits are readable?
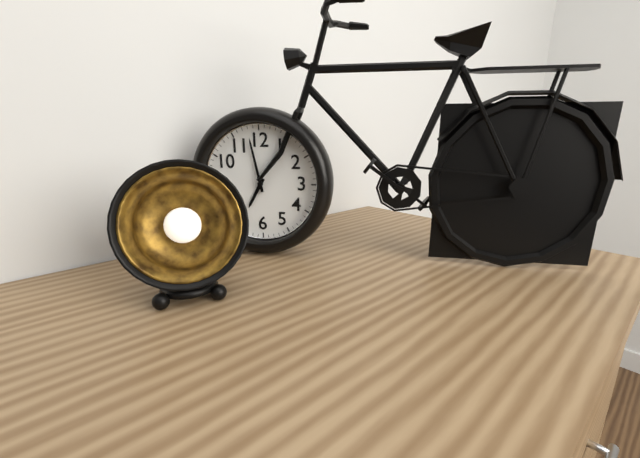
6:58
